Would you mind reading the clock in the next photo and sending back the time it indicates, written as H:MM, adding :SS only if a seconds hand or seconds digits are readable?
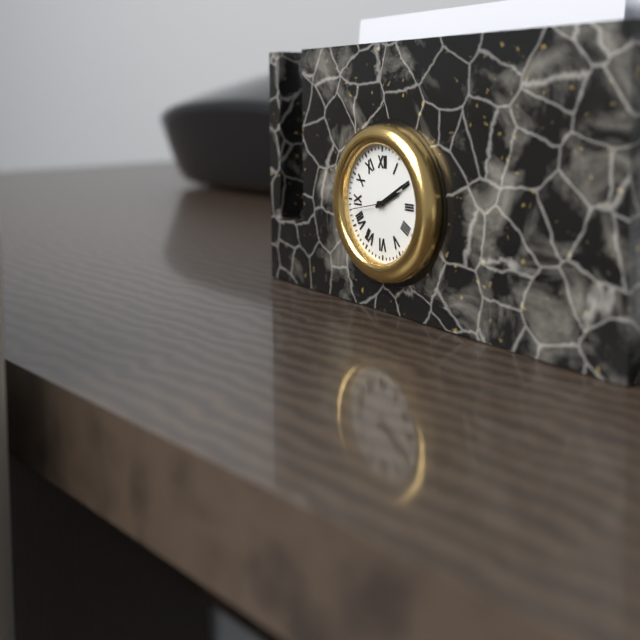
2:10:43
